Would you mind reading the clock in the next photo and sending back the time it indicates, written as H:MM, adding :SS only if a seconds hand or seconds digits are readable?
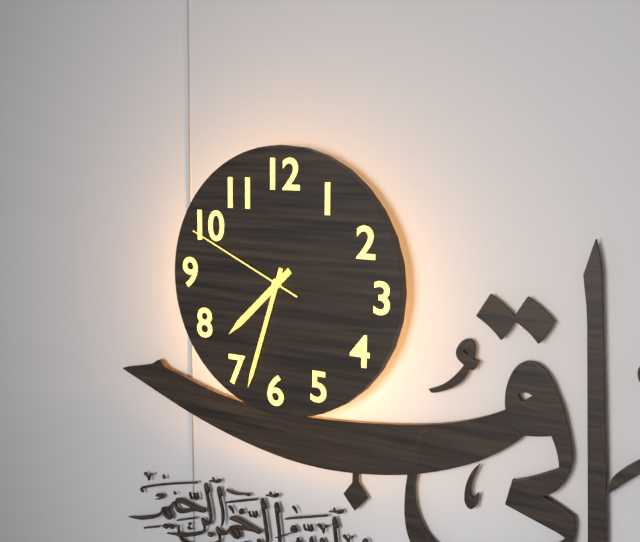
7:33:49
